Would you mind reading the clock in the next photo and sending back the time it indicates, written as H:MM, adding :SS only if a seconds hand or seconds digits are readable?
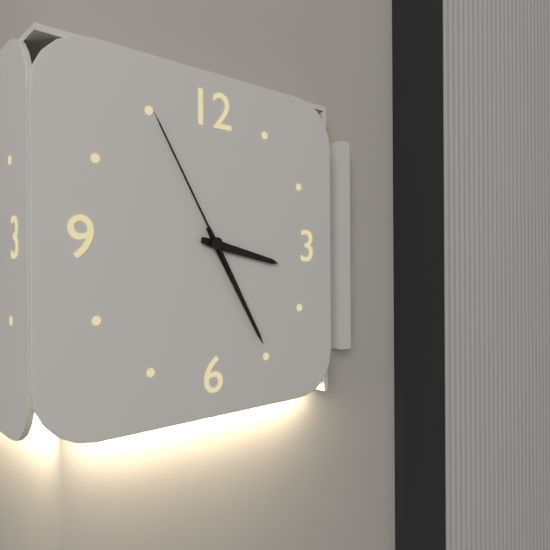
3:25:55
